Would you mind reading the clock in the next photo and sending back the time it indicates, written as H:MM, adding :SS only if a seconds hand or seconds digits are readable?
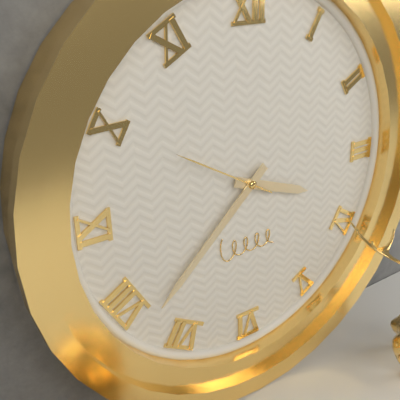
3:38:50
